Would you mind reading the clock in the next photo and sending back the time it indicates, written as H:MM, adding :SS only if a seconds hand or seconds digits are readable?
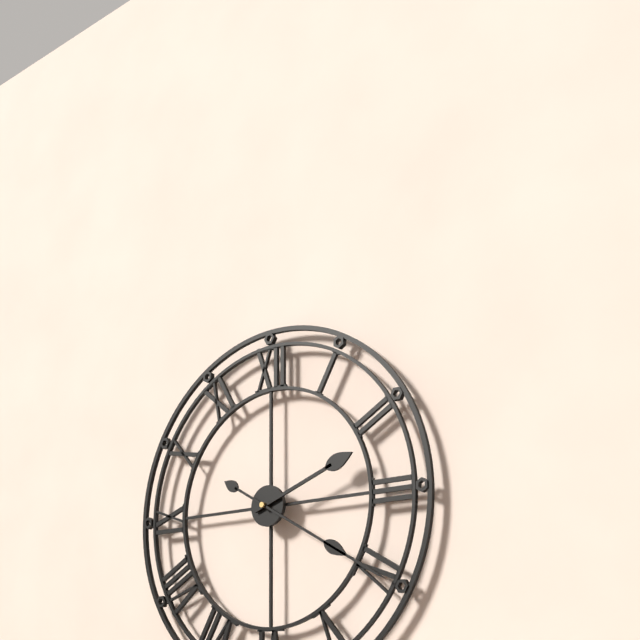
2:20
